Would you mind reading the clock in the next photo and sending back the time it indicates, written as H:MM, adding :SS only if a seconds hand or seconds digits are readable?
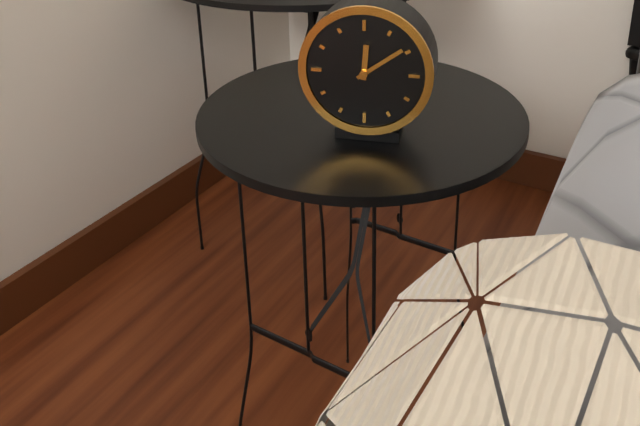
12:09
